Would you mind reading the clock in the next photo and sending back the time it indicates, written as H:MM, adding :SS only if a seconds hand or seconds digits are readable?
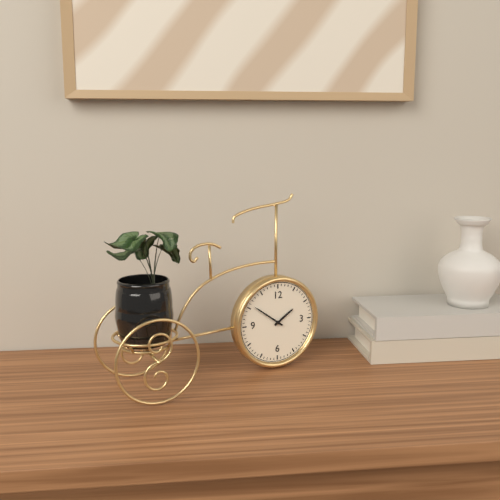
1:51
